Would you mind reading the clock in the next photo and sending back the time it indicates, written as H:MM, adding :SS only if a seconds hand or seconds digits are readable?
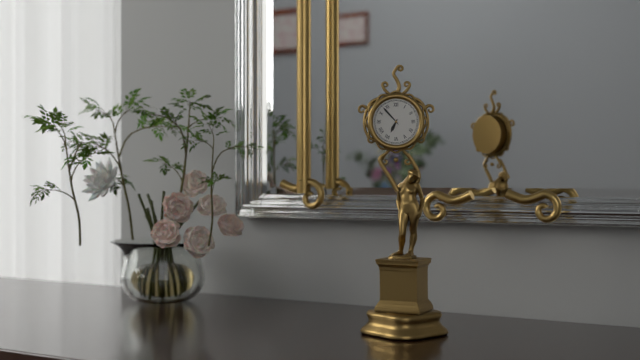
6:53
